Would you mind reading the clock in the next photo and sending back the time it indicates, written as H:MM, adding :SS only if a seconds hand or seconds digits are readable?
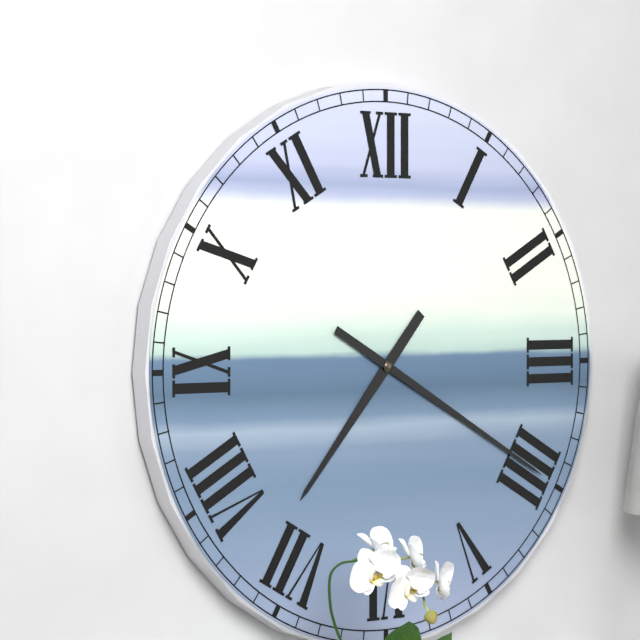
7:20
